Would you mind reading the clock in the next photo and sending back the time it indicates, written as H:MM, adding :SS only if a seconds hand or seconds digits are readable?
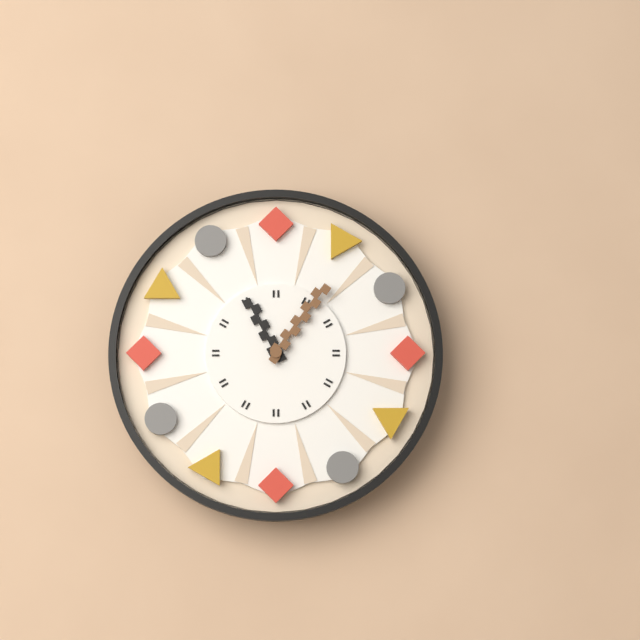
11:06
